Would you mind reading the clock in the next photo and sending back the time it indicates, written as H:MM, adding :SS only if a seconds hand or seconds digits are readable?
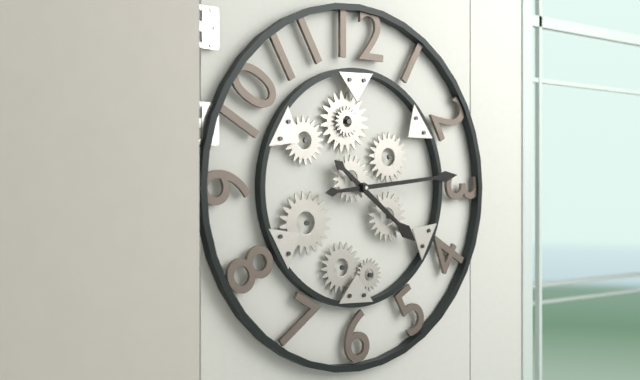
4:14
